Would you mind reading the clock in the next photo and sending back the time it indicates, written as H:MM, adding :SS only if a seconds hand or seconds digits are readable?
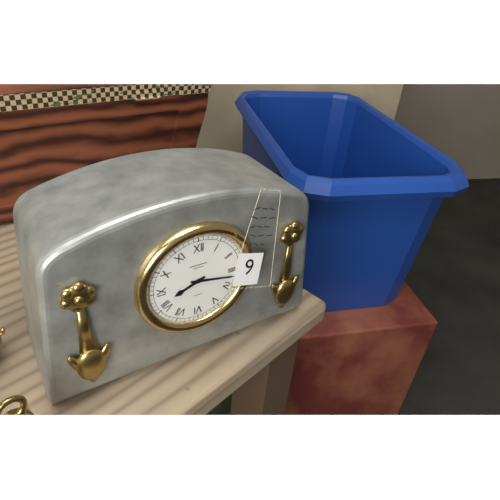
8:17
